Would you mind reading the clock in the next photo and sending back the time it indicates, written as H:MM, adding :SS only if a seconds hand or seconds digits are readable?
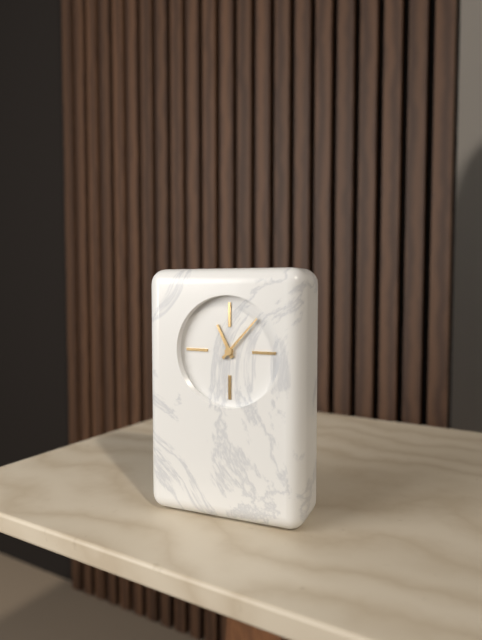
11:07
